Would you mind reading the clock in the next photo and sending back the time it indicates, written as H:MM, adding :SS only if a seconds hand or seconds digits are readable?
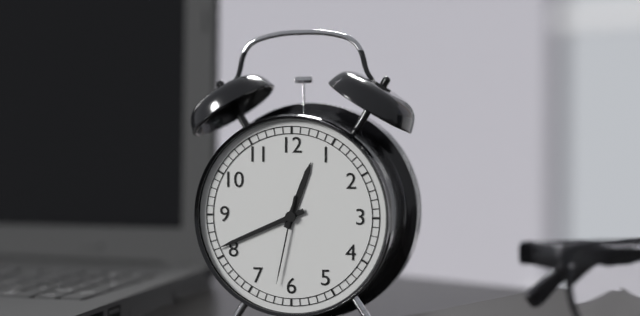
12:41:32
